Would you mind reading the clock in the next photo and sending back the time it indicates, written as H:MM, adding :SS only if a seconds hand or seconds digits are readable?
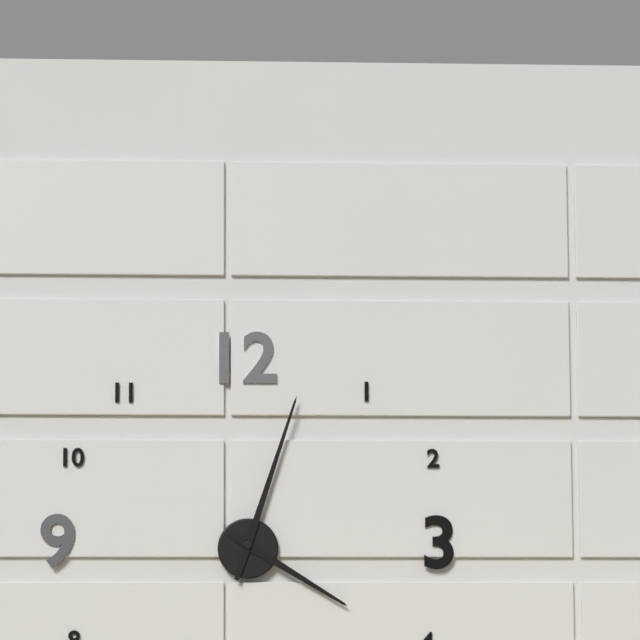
4:03
